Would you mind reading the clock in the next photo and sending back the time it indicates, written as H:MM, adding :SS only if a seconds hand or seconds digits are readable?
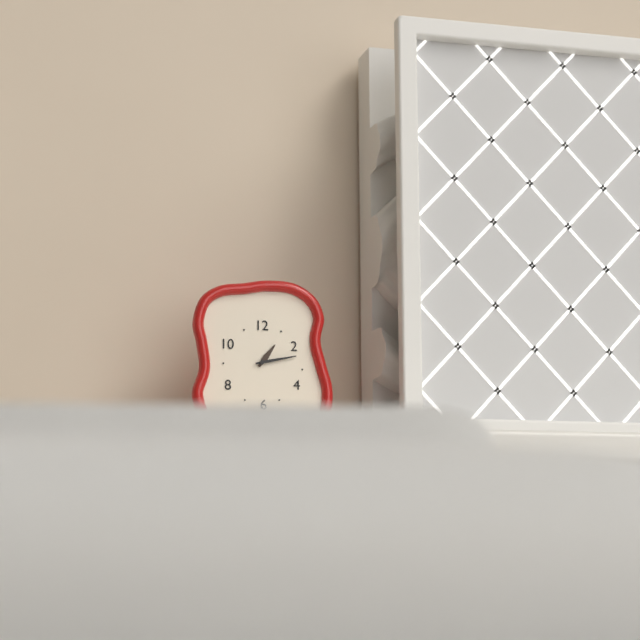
1:13
